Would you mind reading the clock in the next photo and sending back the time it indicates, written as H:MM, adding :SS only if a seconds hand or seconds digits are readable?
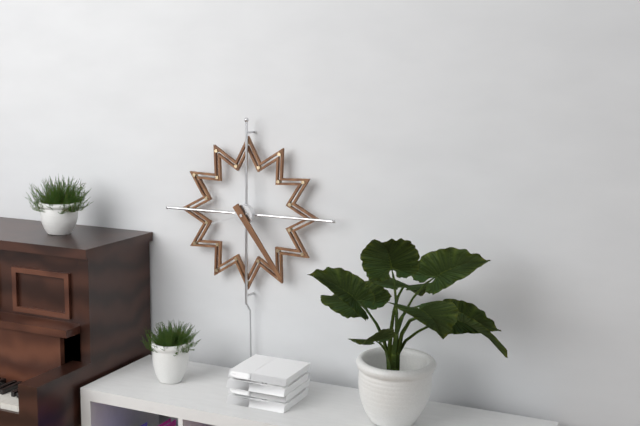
8:24
